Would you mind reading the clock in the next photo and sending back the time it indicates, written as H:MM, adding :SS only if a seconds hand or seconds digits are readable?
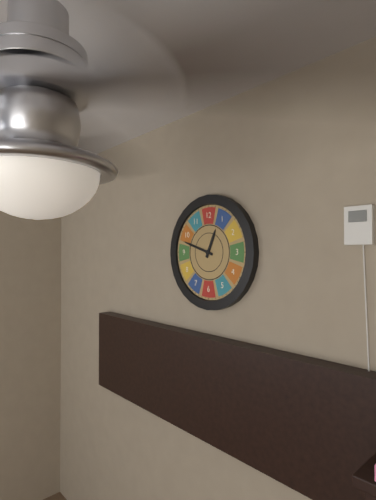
12:48
